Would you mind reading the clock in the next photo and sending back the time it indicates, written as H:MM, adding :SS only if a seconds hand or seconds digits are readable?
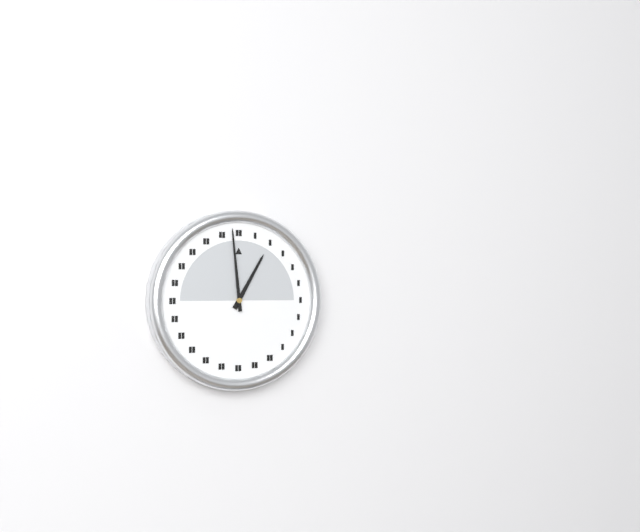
12:59
